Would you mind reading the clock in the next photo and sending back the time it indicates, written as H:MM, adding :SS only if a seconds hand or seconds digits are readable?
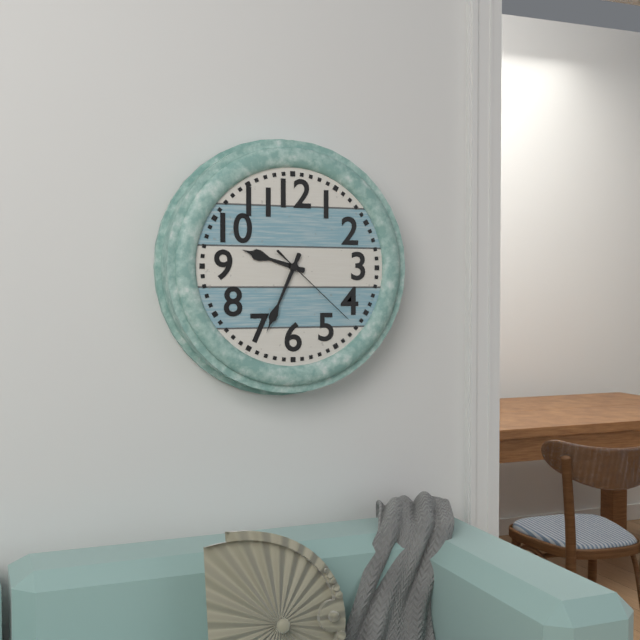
9:34:22
